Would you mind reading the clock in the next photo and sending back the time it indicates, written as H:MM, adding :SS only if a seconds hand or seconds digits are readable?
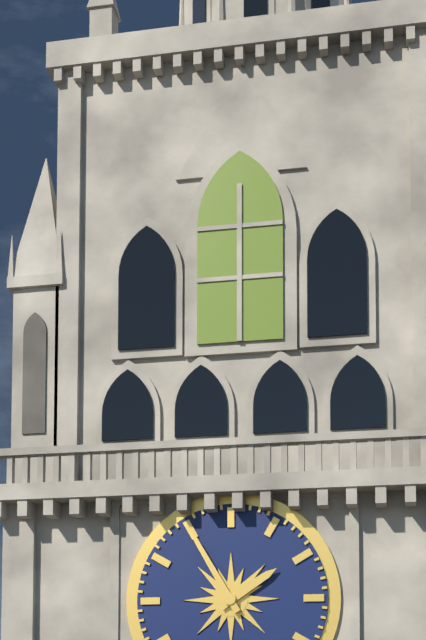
1:55
